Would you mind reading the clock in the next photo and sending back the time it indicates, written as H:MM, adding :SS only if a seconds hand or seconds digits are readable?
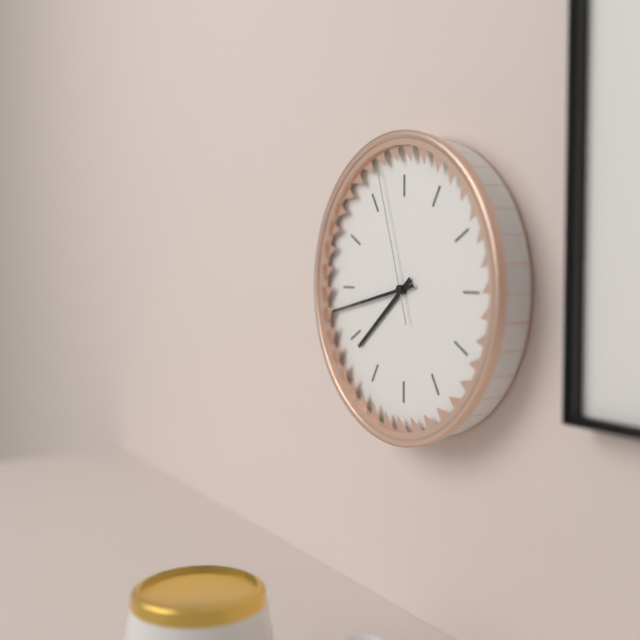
7:43:57
